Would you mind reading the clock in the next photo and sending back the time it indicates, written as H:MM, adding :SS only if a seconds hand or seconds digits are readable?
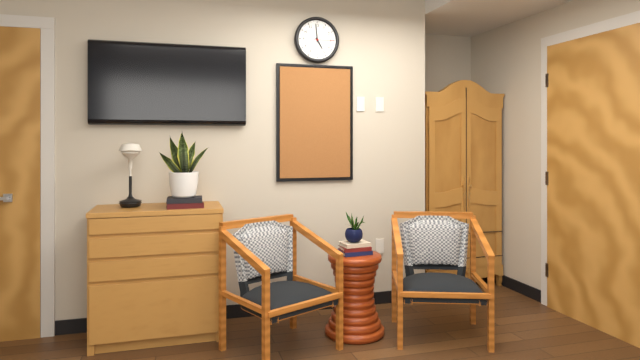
4:59
